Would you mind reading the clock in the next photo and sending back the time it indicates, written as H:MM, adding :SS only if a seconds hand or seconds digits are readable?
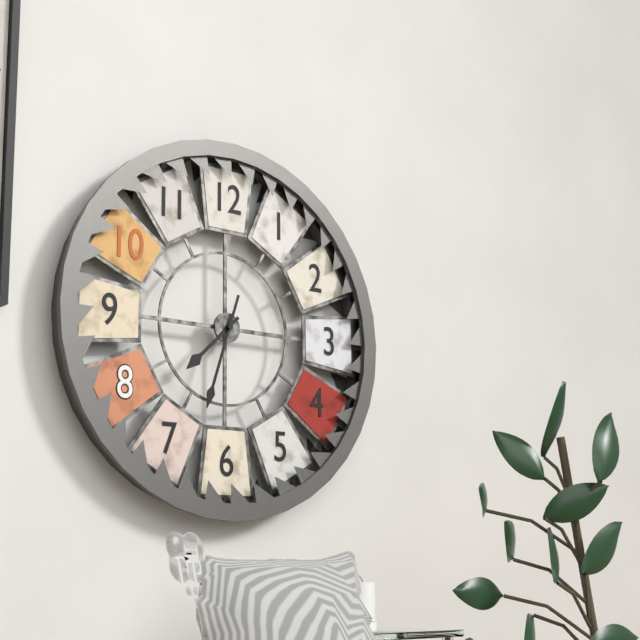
7:33
